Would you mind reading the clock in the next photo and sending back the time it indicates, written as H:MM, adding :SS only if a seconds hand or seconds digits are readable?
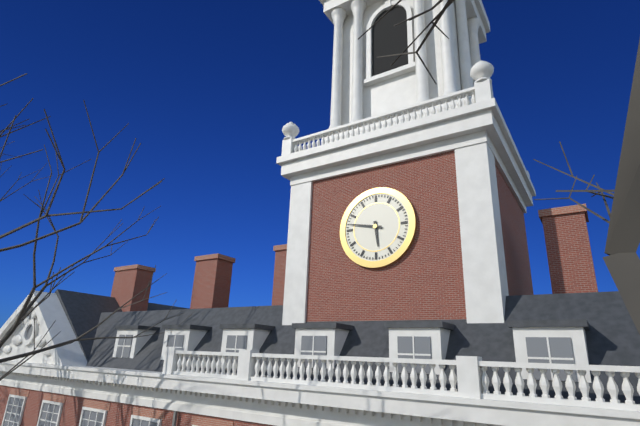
5:47
